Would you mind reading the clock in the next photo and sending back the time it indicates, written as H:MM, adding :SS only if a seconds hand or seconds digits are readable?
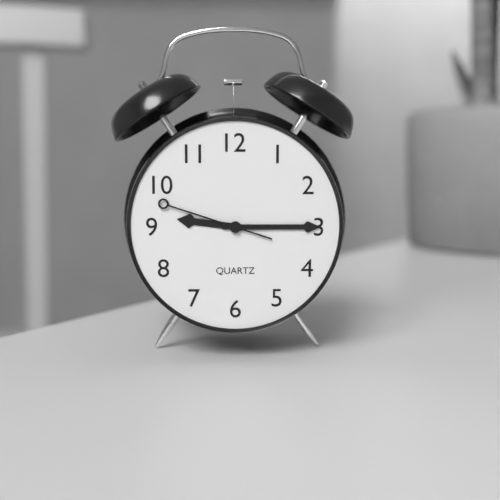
9:15:48
